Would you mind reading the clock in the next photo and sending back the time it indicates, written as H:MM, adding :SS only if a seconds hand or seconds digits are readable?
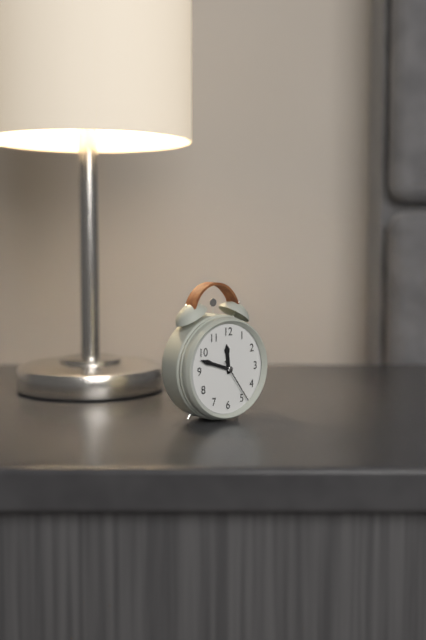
11:48
